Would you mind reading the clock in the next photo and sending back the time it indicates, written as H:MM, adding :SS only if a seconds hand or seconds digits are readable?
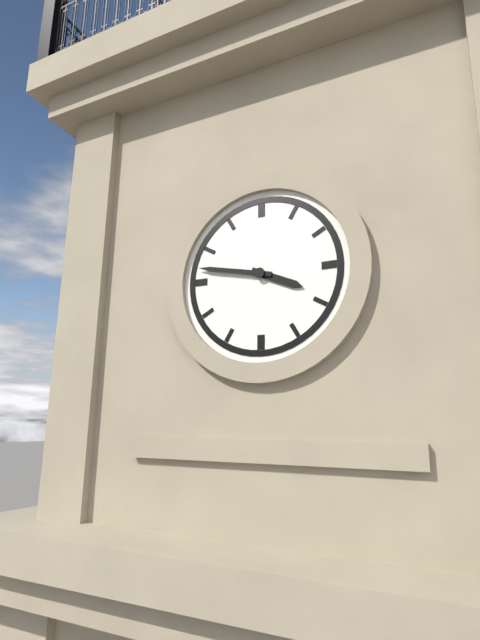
3:47
